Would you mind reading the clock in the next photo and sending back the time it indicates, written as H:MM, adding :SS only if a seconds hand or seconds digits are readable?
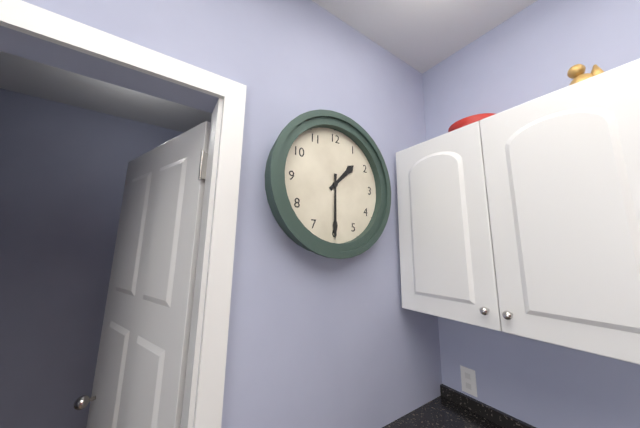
1:30
